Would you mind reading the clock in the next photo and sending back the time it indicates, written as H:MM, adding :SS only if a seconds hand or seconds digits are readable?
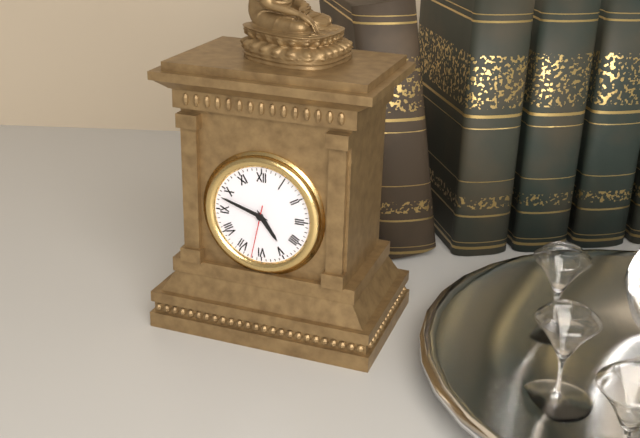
4:48:32
